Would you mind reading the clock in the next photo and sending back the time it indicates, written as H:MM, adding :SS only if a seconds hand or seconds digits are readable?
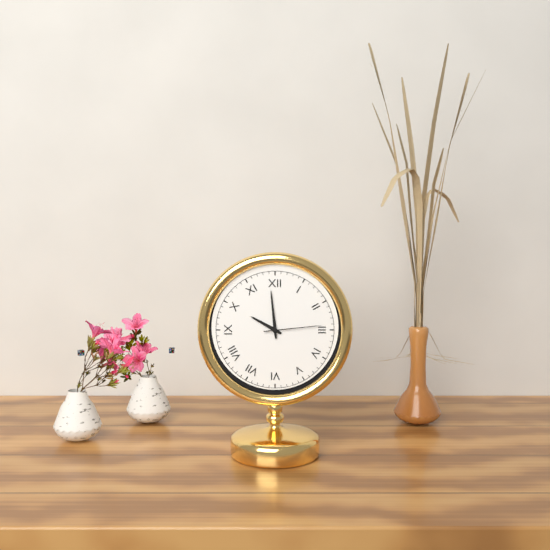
9:59:14
